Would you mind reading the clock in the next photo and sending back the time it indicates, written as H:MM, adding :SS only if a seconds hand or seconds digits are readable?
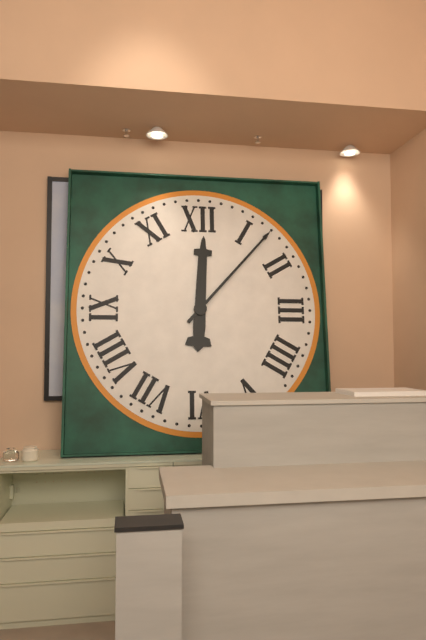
12:07
